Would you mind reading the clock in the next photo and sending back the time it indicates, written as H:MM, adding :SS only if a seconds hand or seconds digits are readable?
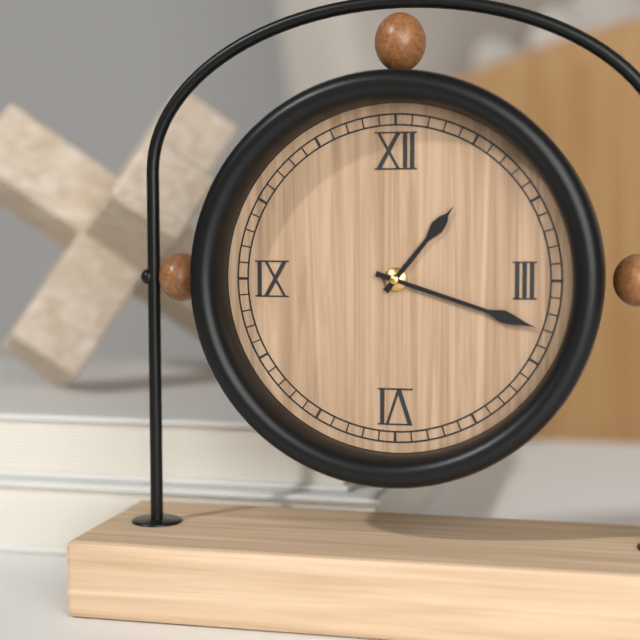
1:18
